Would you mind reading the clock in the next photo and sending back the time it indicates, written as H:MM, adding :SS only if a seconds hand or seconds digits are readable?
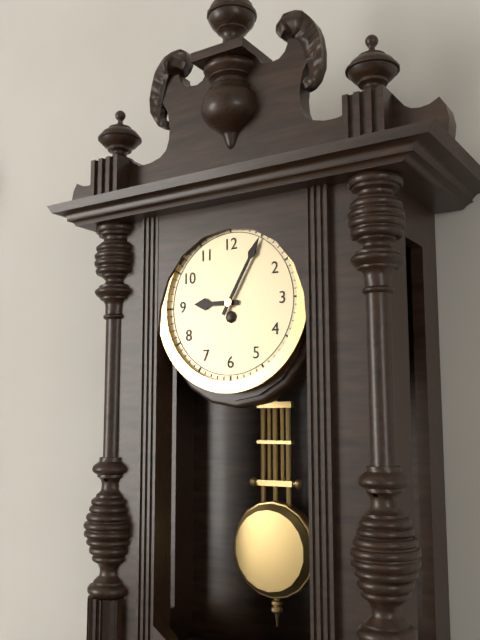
9:05
